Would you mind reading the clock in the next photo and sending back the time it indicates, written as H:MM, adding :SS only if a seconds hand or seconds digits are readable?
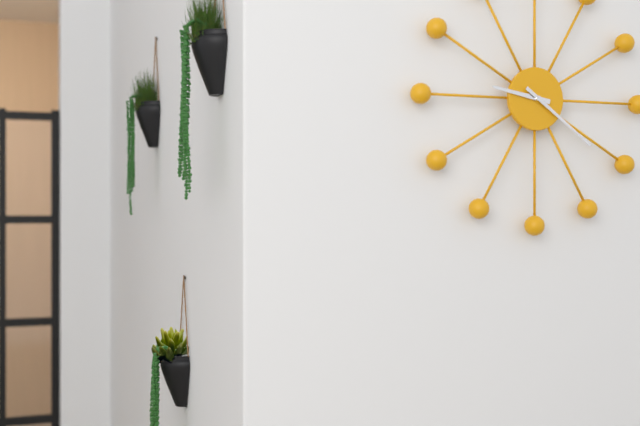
9:21
